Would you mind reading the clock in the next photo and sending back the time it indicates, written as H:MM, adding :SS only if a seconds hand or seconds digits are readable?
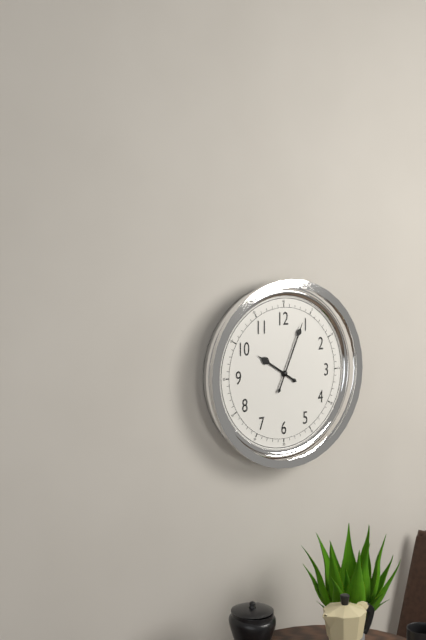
10:04
